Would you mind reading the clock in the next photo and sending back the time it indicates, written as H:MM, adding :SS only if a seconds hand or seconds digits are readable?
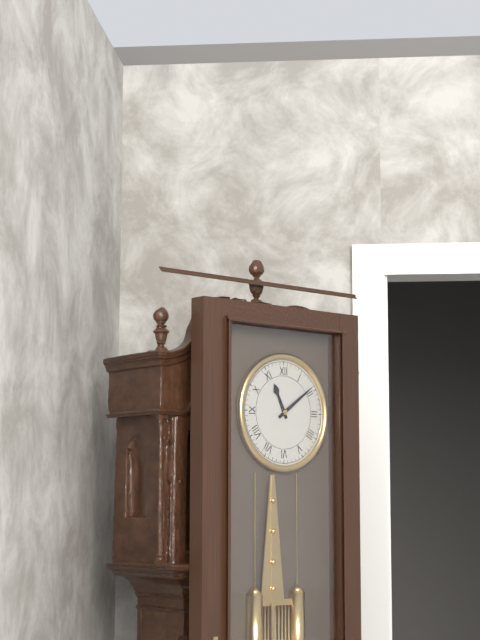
11:09
